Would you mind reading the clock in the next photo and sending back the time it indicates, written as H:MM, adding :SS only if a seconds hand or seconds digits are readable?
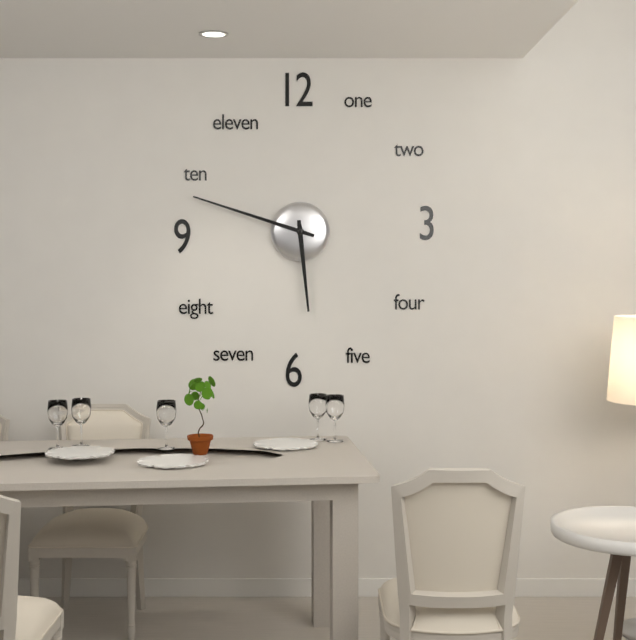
5:48
